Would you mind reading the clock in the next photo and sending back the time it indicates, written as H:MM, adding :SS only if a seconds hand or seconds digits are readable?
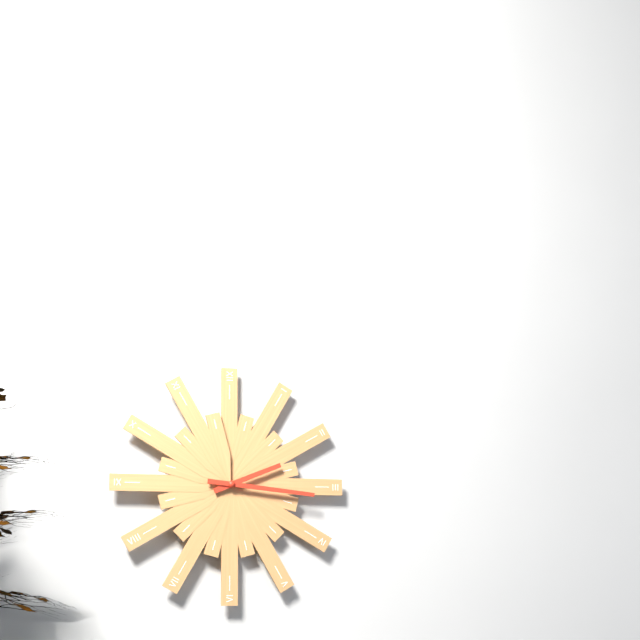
2:16
